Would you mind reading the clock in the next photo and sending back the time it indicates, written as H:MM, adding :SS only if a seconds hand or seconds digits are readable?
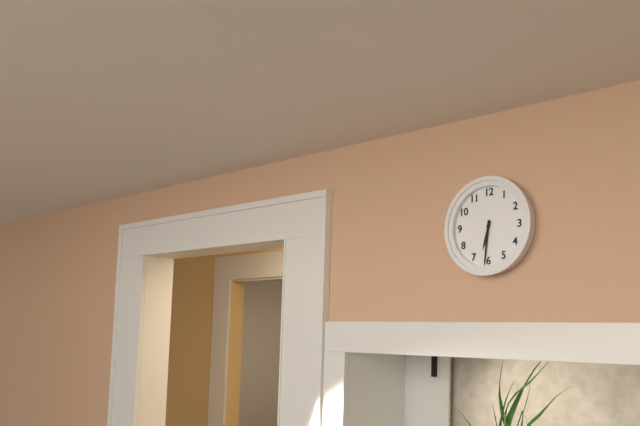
6:31
